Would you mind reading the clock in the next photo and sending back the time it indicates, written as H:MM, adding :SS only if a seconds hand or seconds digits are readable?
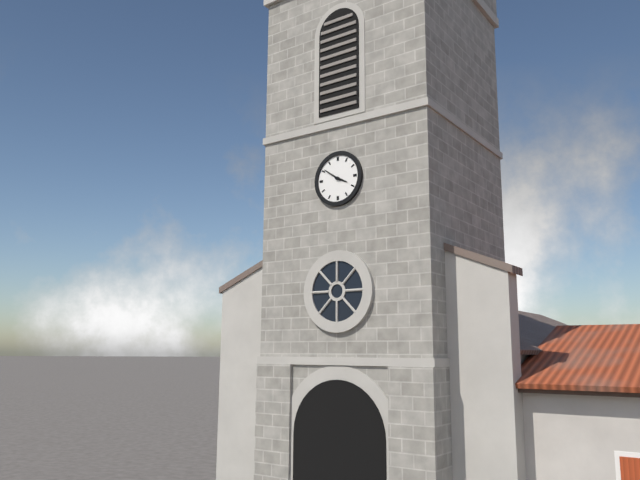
3:51
